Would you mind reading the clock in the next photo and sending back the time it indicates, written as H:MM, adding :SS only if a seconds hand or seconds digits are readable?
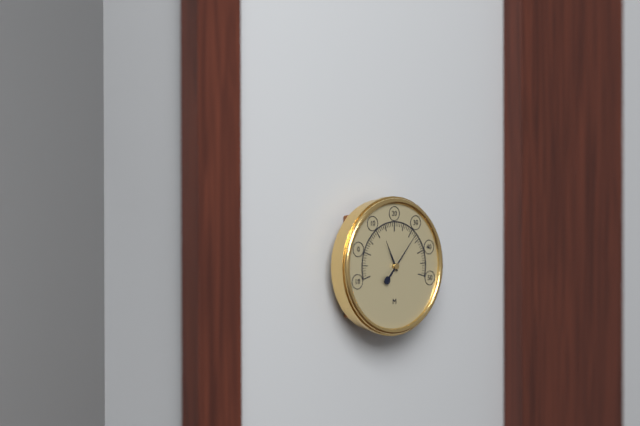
11:07
